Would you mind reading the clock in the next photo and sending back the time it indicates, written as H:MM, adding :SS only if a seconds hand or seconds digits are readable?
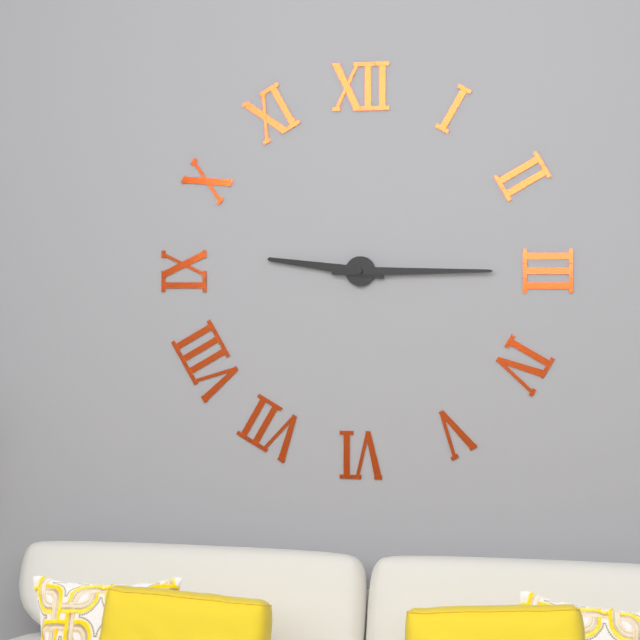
9:15
